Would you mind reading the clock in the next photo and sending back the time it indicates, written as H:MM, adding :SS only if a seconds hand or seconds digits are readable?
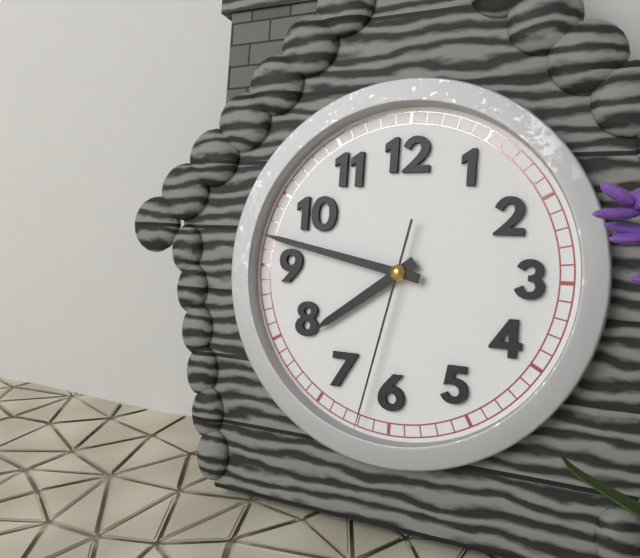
7:47:32
